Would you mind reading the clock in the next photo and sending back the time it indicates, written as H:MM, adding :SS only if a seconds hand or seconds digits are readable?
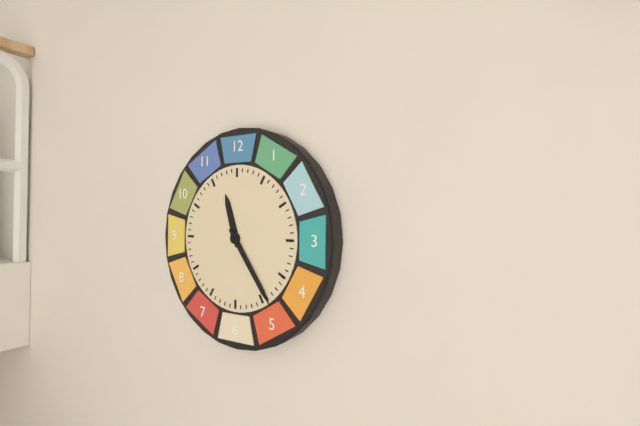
11:24
